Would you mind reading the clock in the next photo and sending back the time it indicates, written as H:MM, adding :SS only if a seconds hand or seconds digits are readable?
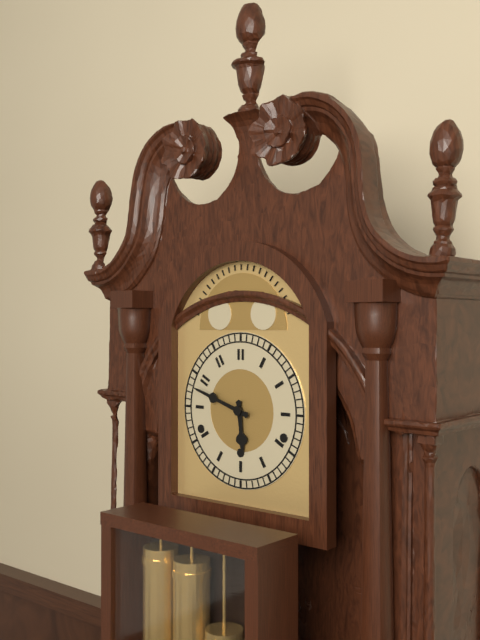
5:48
